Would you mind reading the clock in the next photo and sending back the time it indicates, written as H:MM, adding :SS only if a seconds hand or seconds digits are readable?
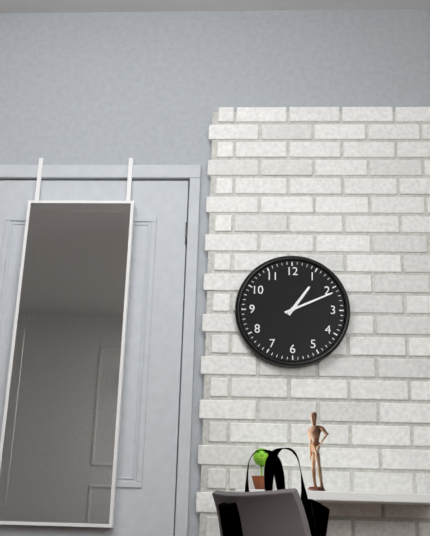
1:11
